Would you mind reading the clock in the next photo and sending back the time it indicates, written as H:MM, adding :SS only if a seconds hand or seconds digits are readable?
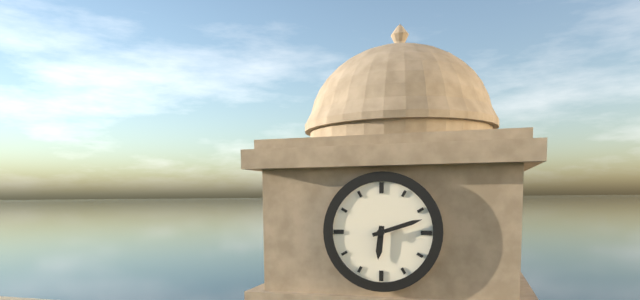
6:12
